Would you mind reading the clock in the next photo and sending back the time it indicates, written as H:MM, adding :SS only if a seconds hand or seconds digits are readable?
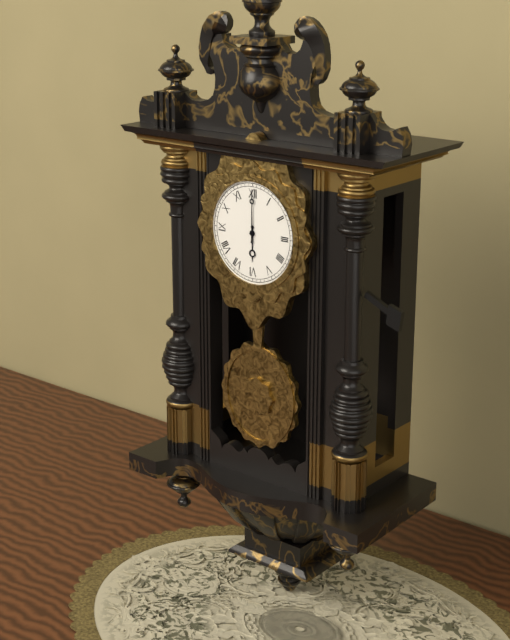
6:00
